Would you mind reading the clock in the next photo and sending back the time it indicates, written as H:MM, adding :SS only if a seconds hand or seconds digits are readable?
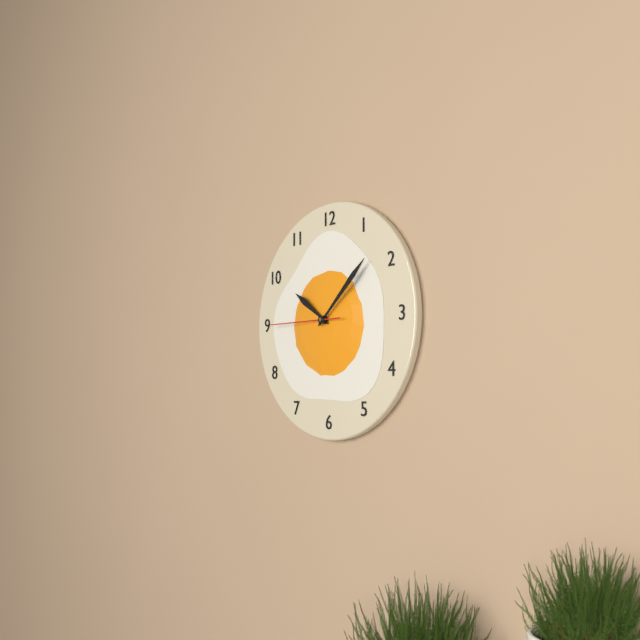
10:08:45
